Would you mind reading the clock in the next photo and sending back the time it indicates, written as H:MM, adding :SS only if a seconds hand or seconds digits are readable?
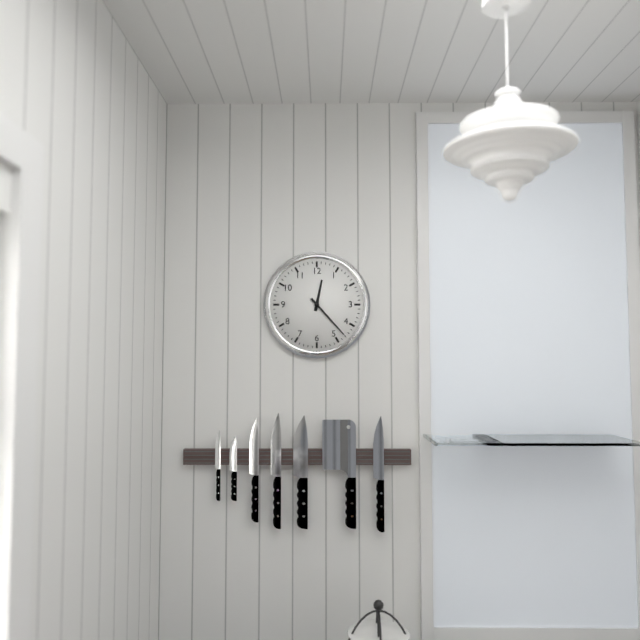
12:23
